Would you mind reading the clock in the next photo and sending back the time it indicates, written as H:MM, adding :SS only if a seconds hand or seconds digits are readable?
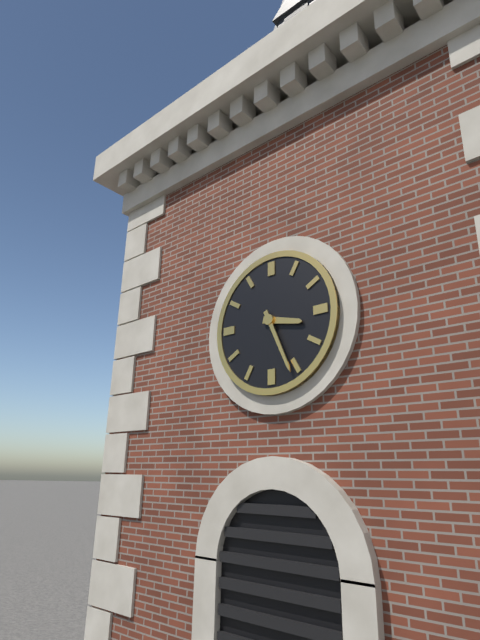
3:26
